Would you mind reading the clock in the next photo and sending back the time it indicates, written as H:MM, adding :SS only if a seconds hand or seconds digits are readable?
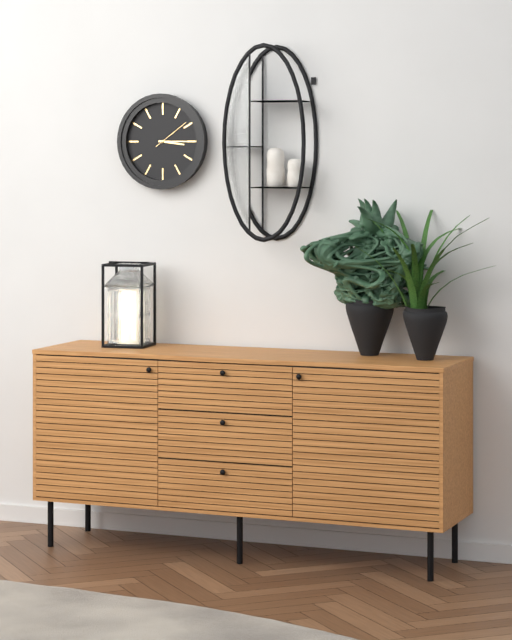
3:15
